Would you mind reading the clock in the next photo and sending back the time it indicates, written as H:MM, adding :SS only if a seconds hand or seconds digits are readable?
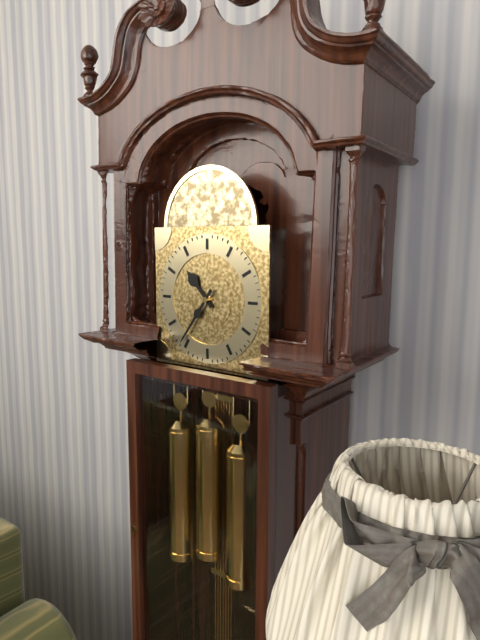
10:36
